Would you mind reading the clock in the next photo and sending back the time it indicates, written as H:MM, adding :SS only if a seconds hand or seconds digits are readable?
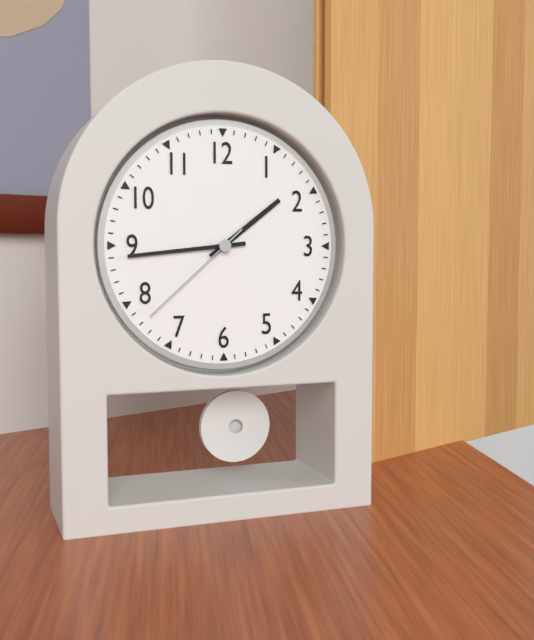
1:44:38
